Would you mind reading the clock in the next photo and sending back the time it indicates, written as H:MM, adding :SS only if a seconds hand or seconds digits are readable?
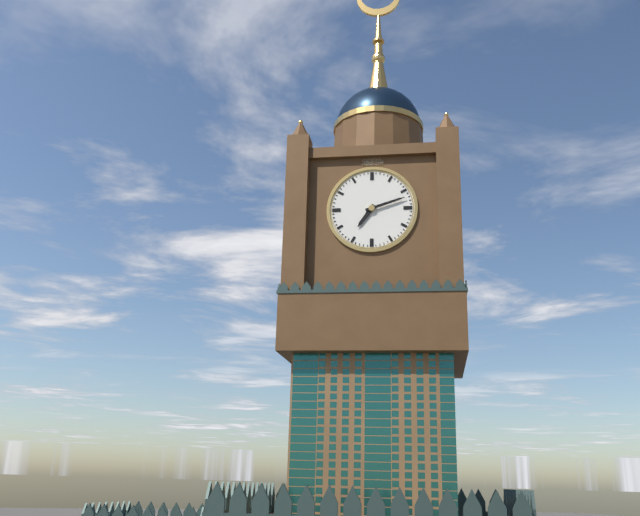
7:12
